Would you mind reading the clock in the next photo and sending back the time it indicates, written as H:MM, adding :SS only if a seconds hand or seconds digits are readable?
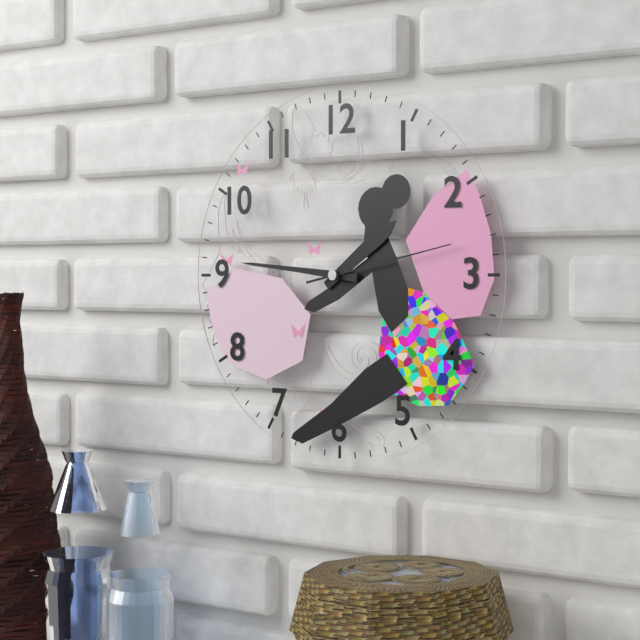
1:46:13
